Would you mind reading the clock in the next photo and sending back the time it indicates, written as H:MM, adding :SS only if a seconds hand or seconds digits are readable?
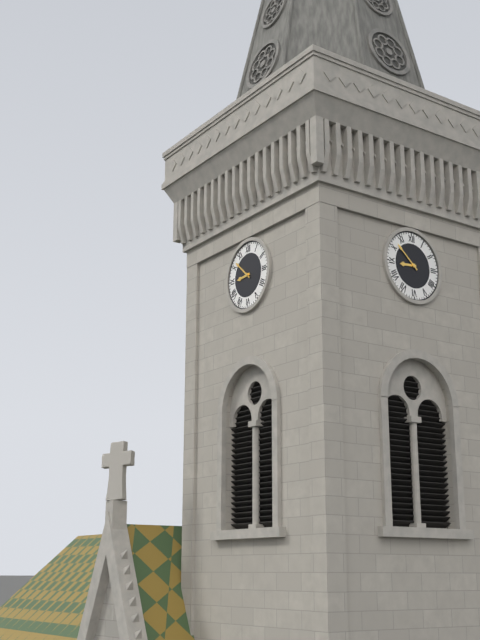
8:52
